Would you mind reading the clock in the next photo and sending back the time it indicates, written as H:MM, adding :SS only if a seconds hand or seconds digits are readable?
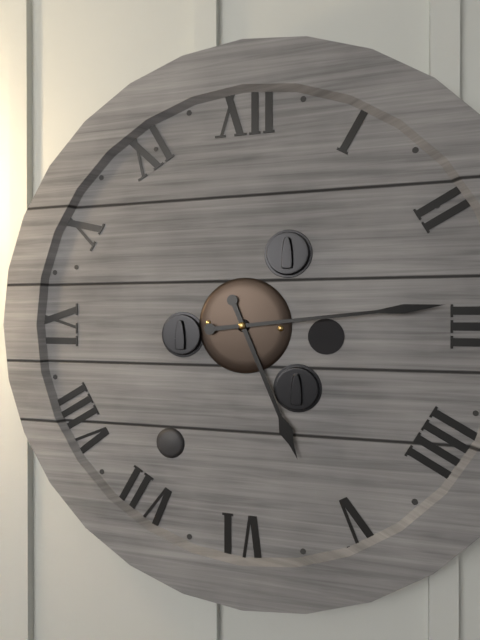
5:14
